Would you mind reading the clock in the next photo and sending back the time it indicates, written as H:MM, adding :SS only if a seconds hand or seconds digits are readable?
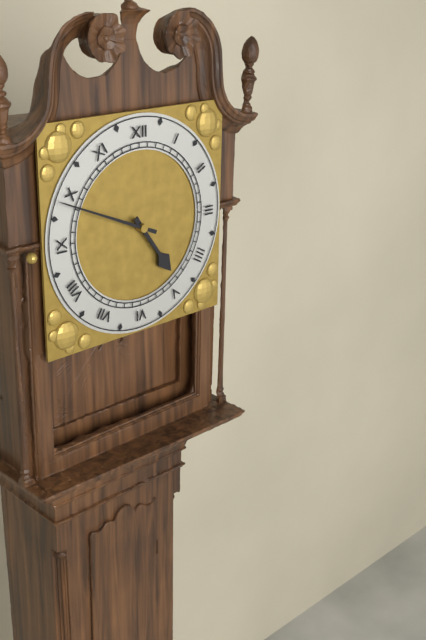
4:49
